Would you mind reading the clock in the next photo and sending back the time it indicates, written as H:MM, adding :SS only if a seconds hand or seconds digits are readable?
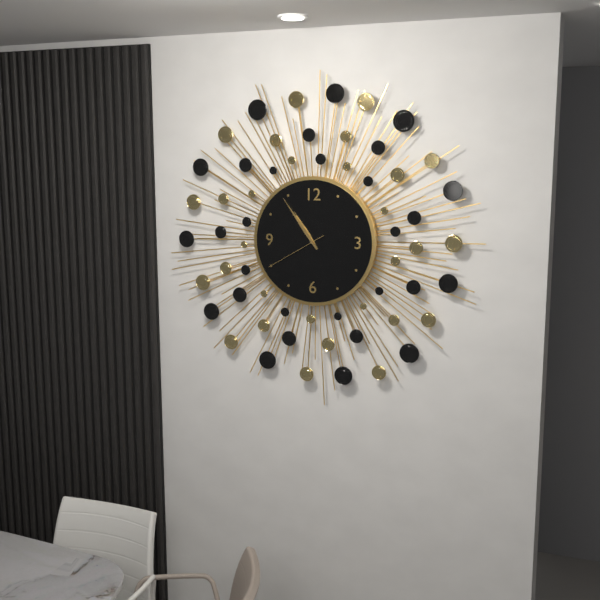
10:54:40
